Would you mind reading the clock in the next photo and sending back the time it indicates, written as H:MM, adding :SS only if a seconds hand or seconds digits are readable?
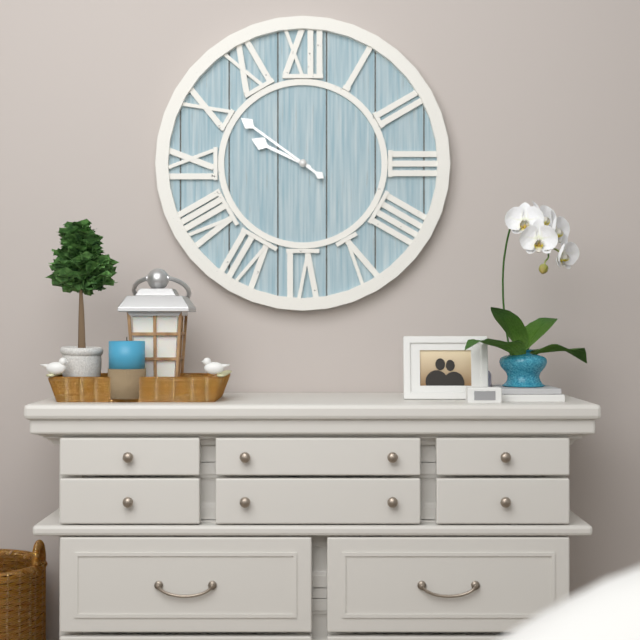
9:51
